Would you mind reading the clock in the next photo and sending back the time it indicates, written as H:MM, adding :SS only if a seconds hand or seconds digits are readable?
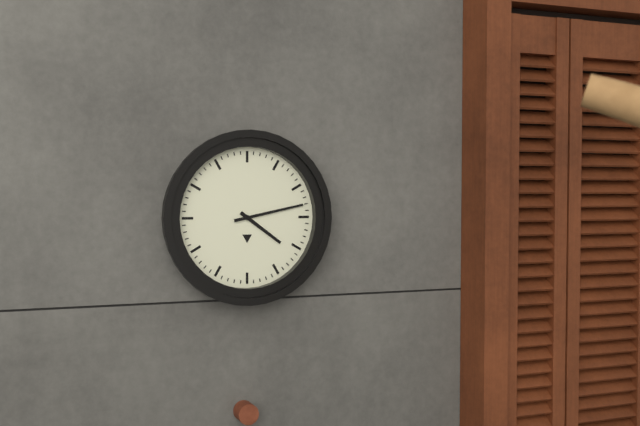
4:13
